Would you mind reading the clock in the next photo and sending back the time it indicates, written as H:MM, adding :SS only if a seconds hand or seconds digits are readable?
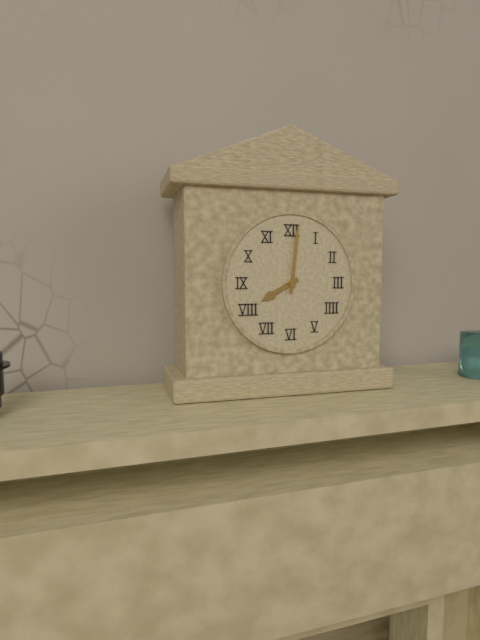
8:01
